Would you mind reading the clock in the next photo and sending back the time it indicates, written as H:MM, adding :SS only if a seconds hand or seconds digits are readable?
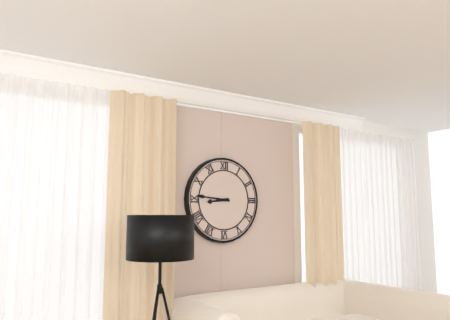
8:46
